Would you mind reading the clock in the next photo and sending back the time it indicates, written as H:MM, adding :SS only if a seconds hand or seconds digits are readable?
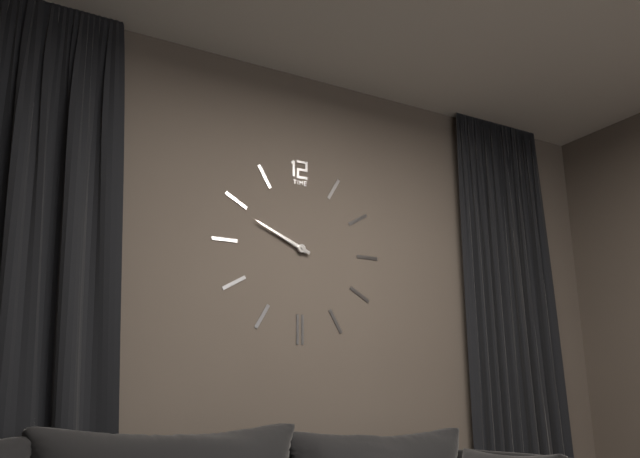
9:49
